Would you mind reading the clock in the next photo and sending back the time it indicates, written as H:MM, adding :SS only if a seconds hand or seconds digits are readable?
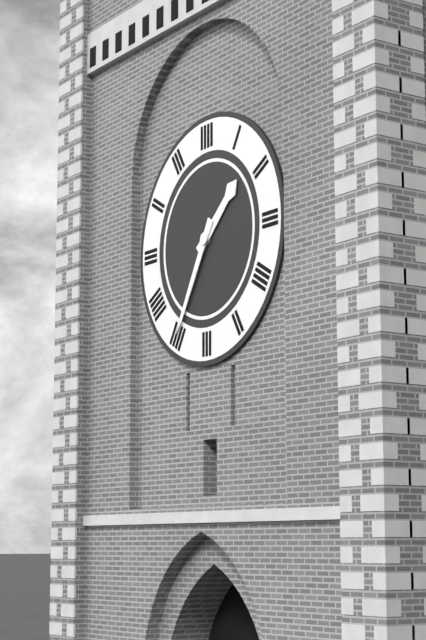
1:35
